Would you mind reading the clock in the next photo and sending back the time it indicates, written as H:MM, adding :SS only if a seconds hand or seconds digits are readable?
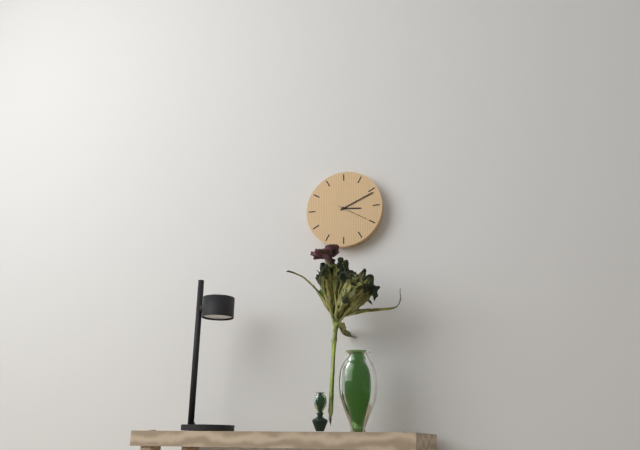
3:11
